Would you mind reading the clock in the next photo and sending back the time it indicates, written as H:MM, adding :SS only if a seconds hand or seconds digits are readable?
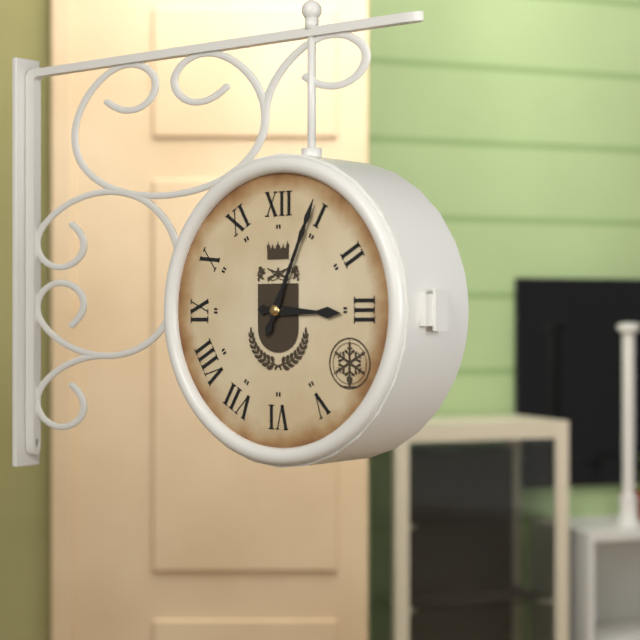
3:04
